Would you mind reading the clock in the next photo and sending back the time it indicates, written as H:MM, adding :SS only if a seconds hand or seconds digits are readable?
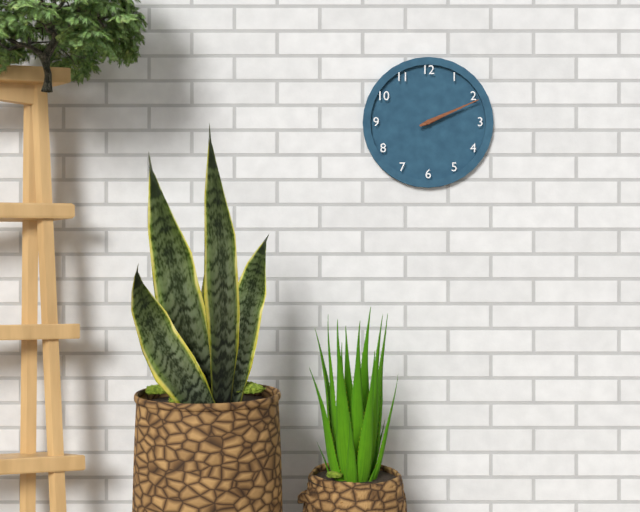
2:11
